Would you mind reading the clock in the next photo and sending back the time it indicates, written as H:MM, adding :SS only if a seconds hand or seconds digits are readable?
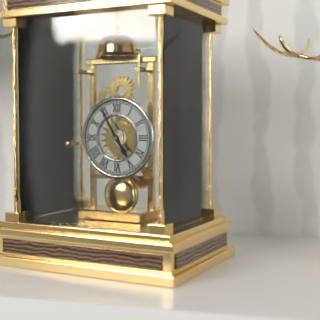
4:55
